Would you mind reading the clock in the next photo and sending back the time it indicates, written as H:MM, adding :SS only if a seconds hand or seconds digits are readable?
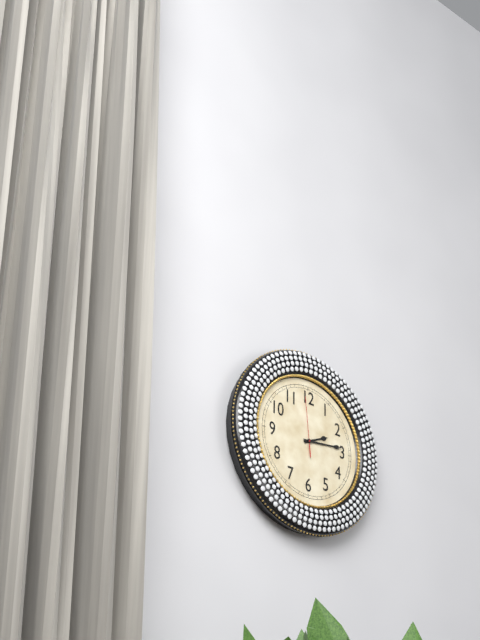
2:14:59
